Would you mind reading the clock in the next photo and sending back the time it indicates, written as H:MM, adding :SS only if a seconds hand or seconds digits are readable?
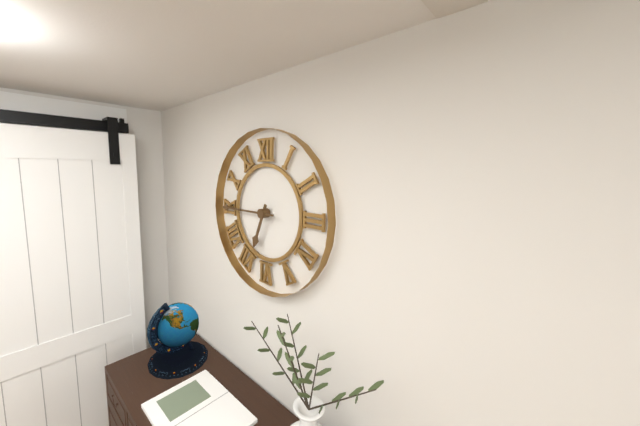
6:45
